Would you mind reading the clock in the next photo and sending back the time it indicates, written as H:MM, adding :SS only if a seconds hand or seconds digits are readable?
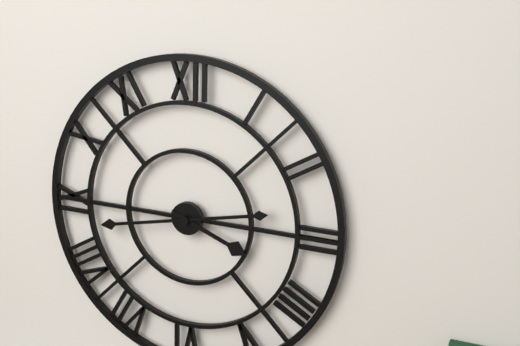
3:43
